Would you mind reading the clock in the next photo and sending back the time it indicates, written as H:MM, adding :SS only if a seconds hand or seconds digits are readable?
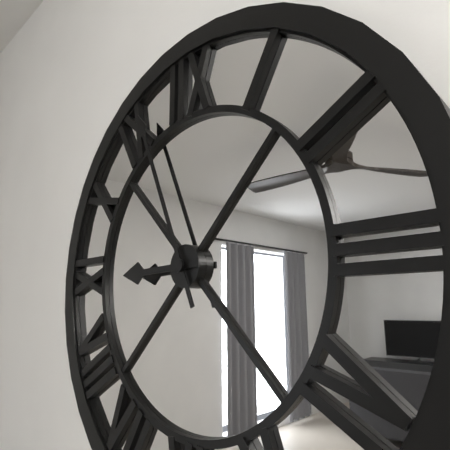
8:56
